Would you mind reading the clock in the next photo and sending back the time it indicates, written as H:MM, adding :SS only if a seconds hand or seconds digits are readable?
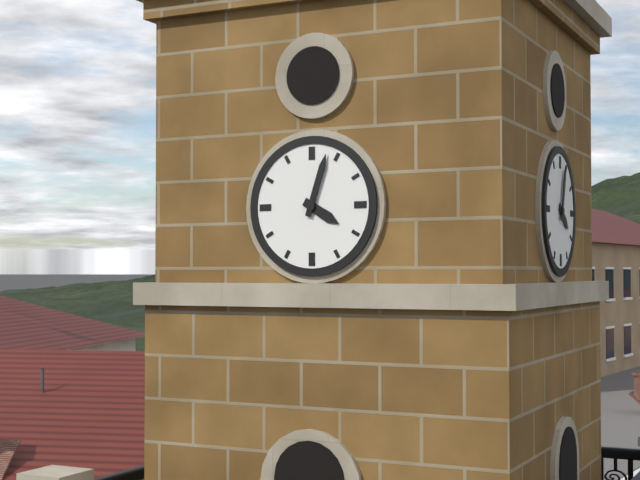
4:03
